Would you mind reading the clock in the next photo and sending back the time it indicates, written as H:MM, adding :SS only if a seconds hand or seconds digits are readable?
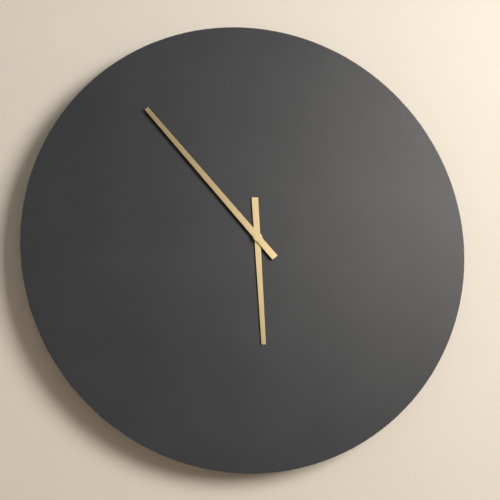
5:53
